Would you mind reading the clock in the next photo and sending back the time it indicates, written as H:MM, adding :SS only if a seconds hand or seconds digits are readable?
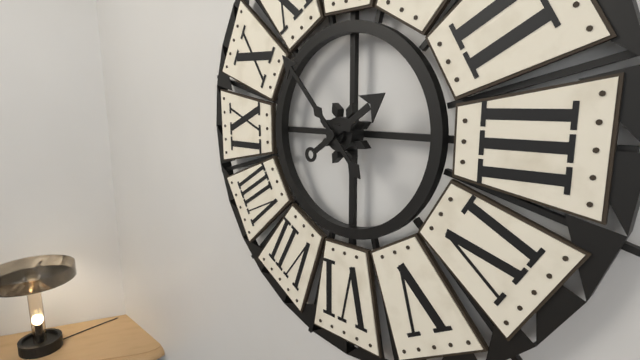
1:53
